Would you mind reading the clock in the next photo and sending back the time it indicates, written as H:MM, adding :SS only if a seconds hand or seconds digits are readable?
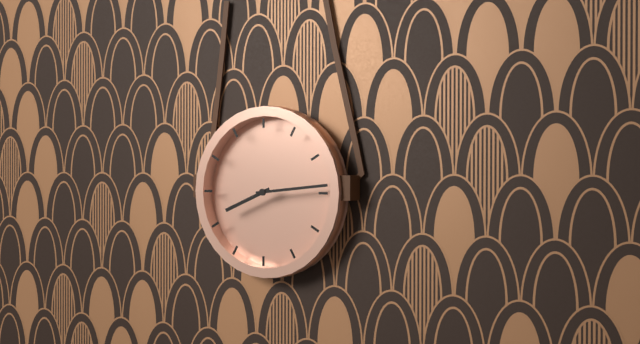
8:14
